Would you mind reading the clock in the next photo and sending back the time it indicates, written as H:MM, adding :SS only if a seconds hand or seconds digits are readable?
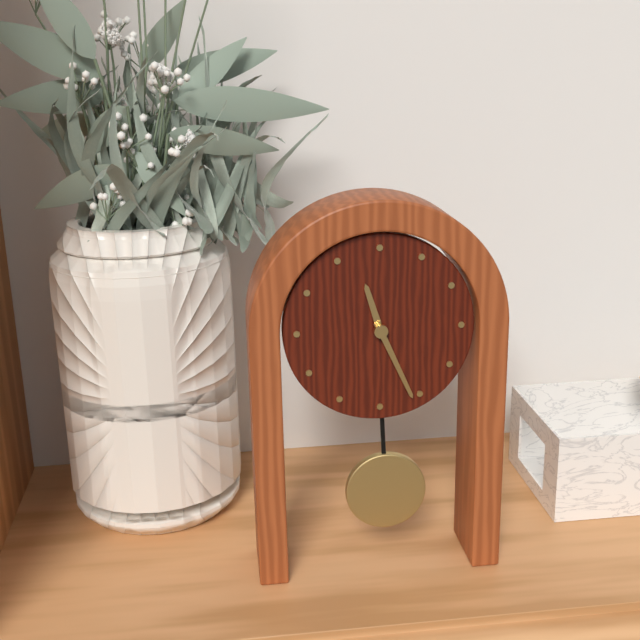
11:26
